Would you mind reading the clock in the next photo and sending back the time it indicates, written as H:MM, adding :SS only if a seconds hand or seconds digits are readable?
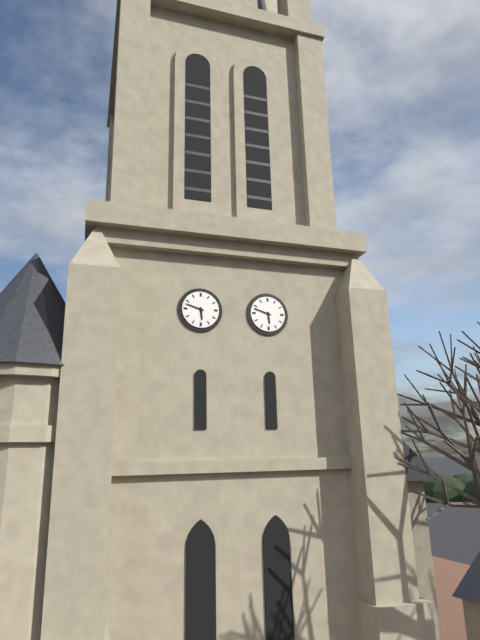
5:48
